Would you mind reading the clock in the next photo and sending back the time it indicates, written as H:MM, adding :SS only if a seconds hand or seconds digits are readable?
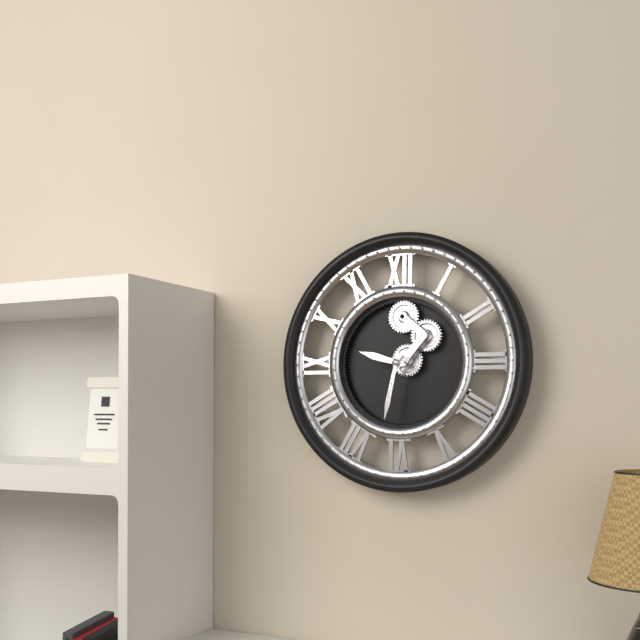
9:32
